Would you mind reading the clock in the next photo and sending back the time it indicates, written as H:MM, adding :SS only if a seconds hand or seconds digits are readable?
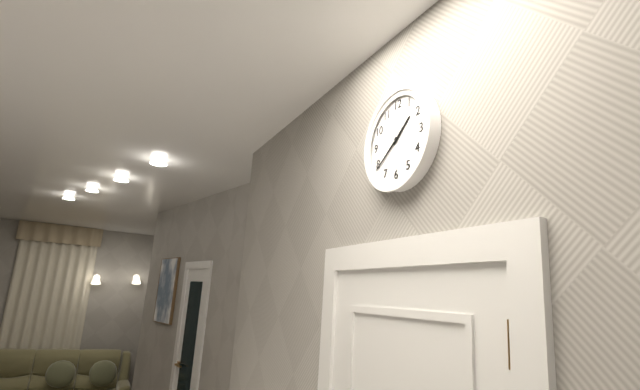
1:39
